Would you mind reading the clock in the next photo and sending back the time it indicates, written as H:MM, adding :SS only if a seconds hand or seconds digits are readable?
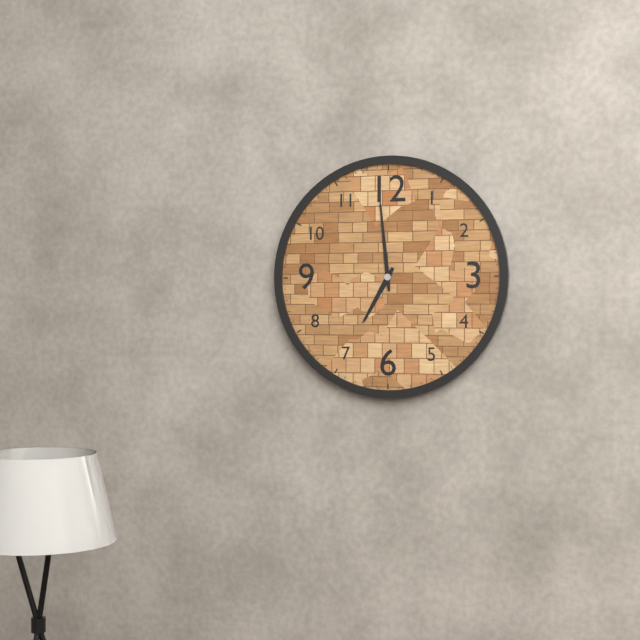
6:59
